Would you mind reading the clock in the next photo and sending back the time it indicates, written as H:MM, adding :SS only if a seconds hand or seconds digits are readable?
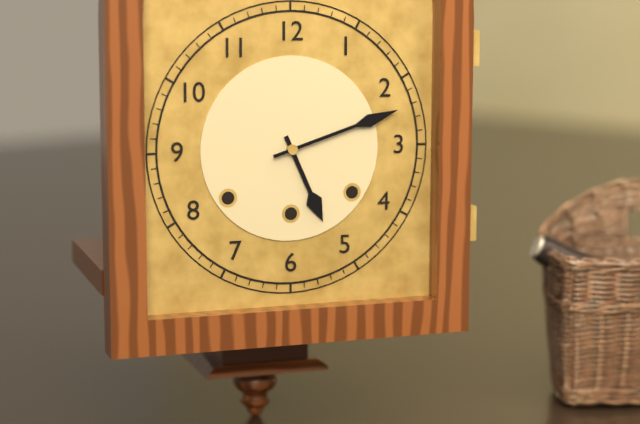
5:12
